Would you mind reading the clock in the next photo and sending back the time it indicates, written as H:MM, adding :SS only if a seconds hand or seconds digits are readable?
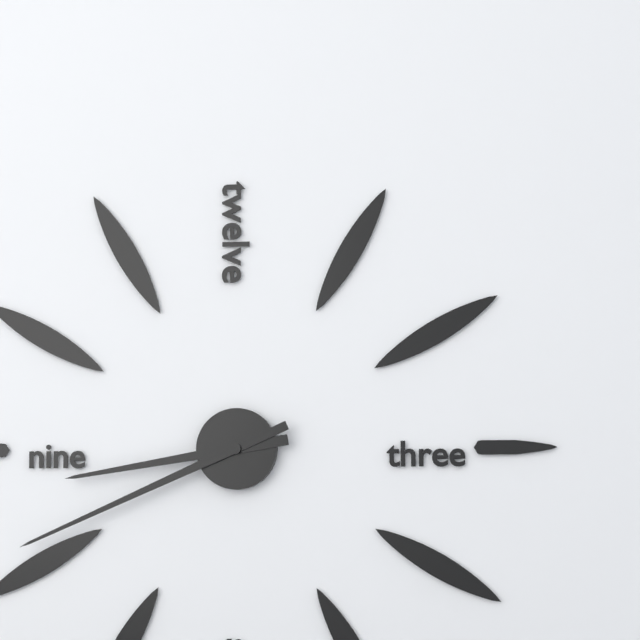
8:41
